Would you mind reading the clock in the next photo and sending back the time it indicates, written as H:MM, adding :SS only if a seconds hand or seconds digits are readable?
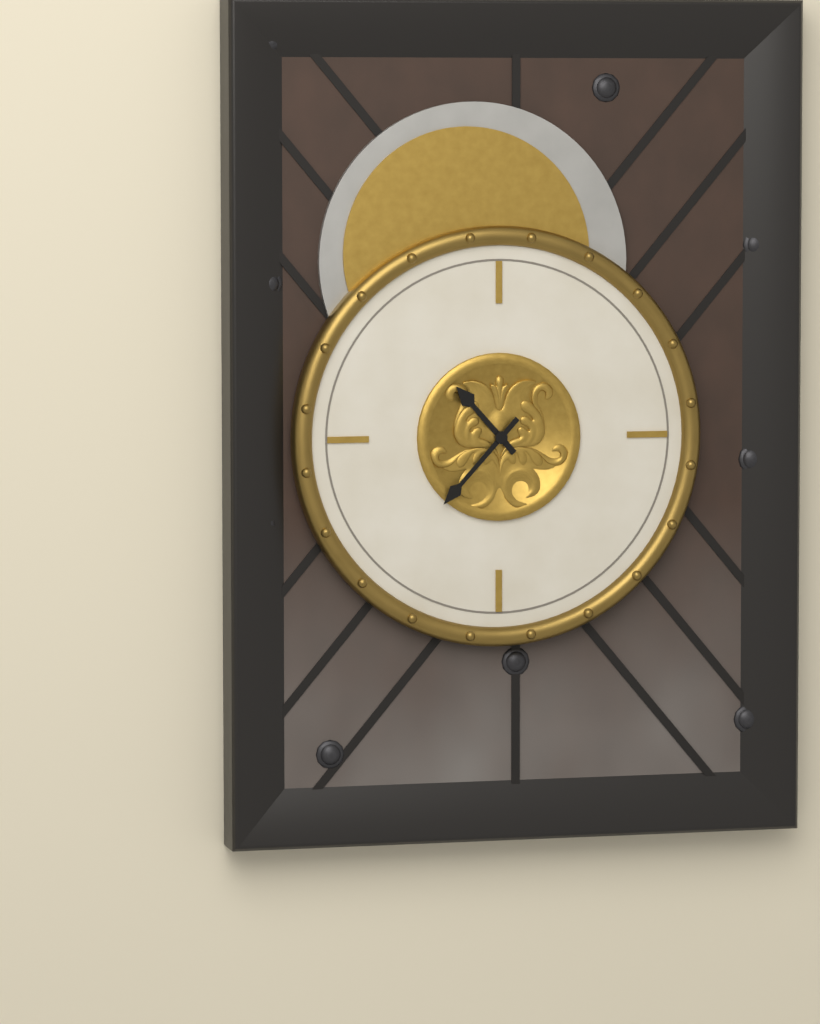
10:37
